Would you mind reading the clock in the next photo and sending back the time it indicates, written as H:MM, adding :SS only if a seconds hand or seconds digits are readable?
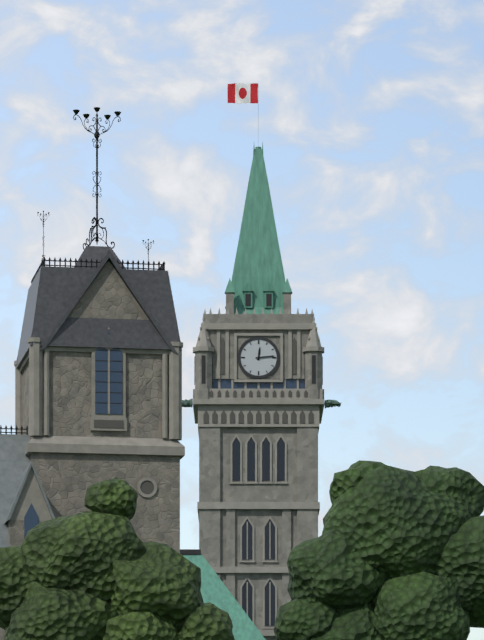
12:14
